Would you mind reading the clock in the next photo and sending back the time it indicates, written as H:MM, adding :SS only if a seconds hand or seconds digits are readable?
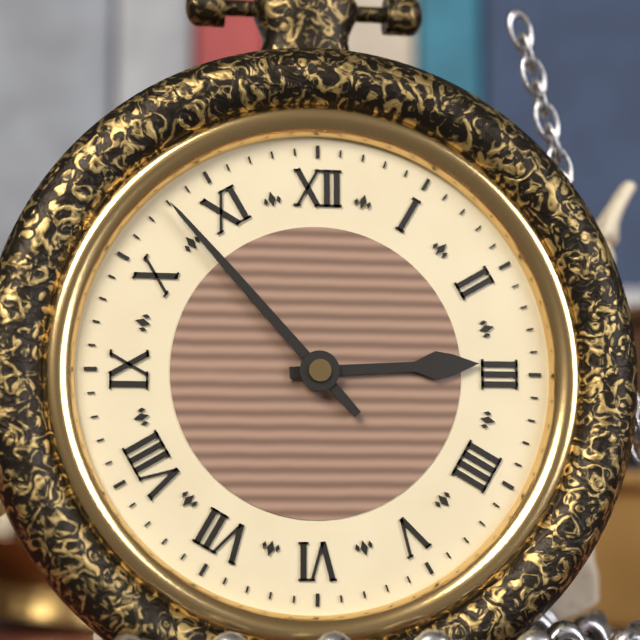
2:53
